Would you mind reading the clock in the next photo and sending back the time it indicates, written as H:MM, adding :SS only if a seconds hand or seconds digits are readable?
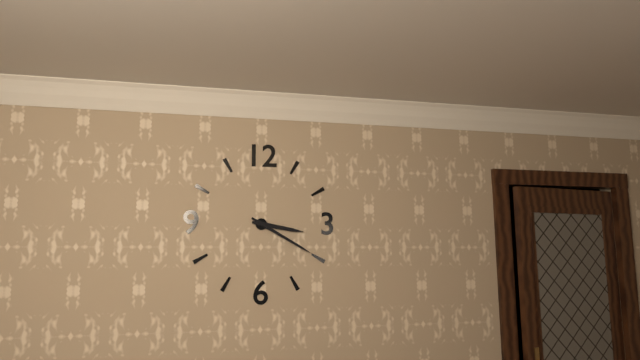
3:20
